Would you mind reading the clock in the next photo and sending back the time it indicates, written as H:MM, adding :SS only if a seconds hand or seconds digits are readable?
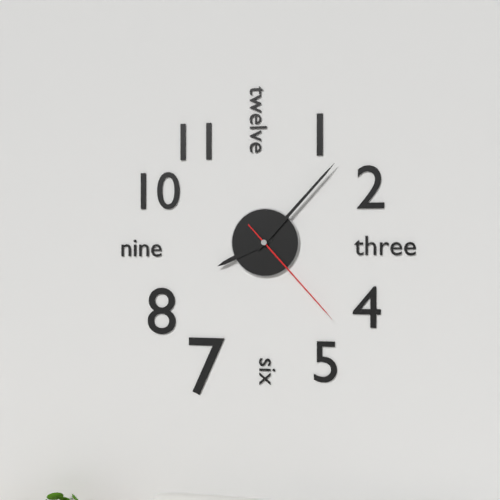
8:07:23
